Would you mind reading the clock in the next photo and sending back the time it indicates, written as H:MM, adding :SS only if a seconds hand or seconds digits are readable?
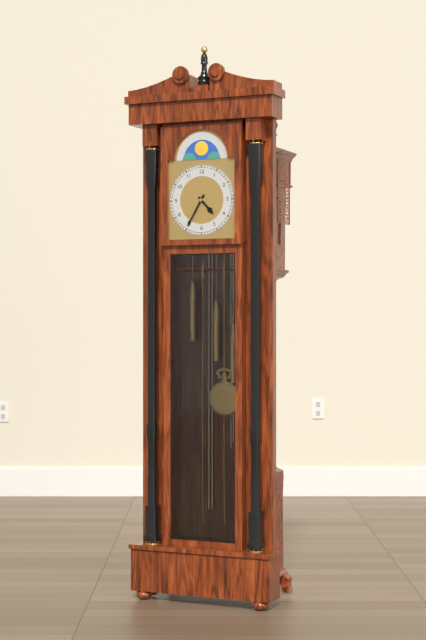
4:35
